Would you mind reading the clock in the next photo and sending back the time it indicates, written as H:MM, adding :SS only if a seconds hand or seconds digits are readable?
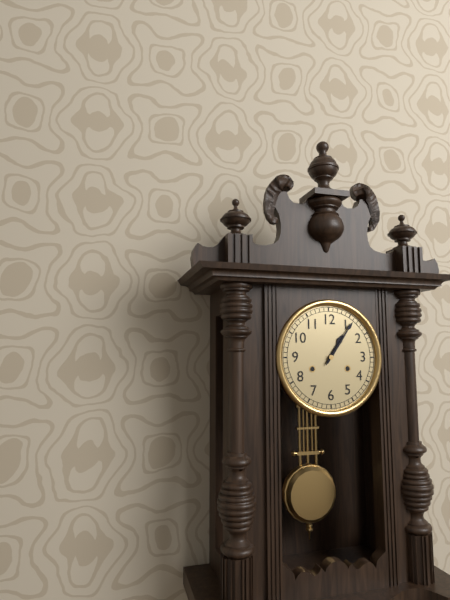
1:06
